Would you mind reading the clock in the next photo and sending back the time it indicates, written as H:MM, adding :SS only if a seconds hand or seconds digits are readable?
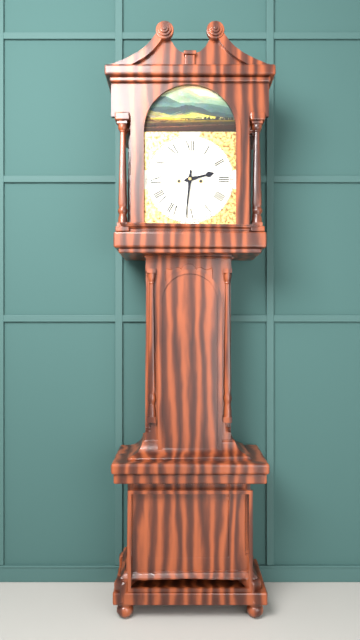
2:31
